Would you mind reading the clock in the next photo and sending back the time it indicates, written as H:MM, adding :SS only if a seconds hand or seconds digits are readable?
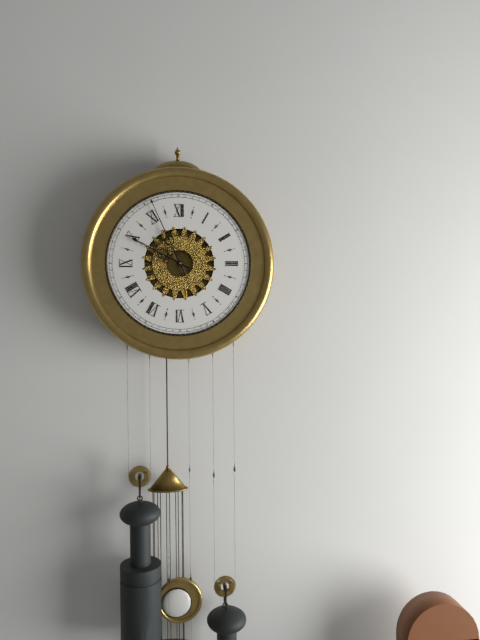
9:56
